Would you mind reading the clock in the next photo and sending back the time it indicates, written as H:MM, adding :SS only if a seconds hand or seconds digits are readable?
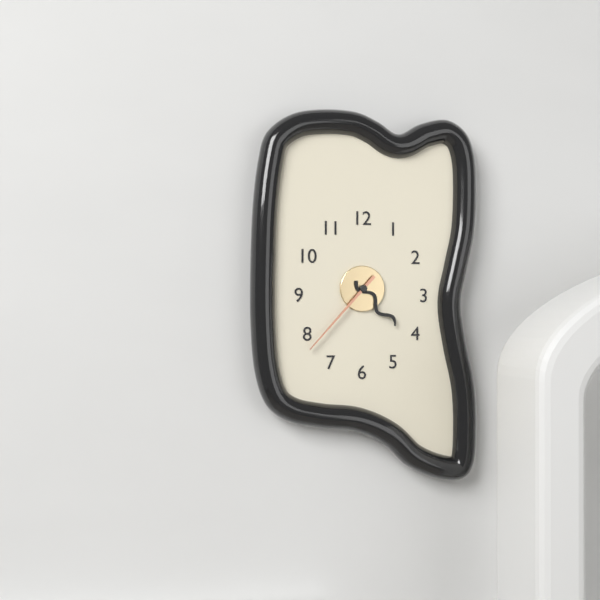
4:37
